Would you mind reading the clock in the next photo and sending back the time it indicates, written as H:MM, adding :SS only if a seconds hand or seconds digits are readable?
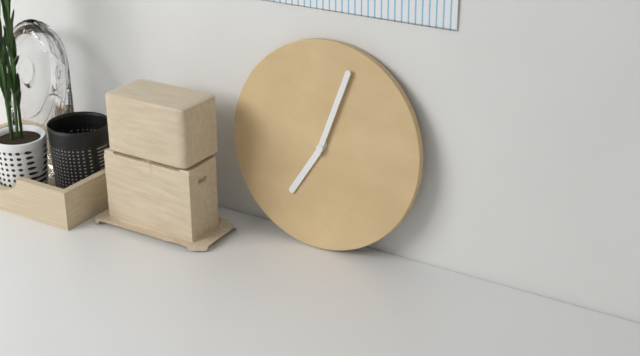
7:03
